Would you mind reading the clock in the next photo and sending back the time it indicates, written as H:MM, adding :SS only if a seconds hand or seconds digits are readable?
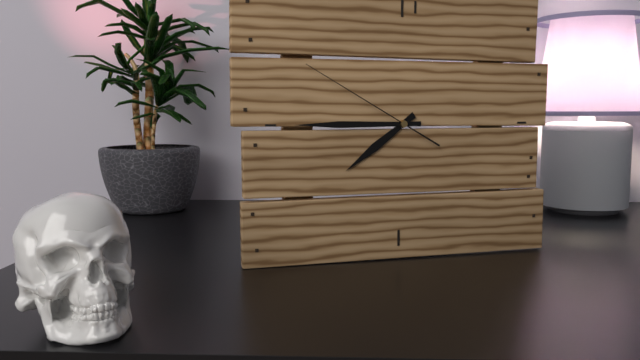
7:45:50
